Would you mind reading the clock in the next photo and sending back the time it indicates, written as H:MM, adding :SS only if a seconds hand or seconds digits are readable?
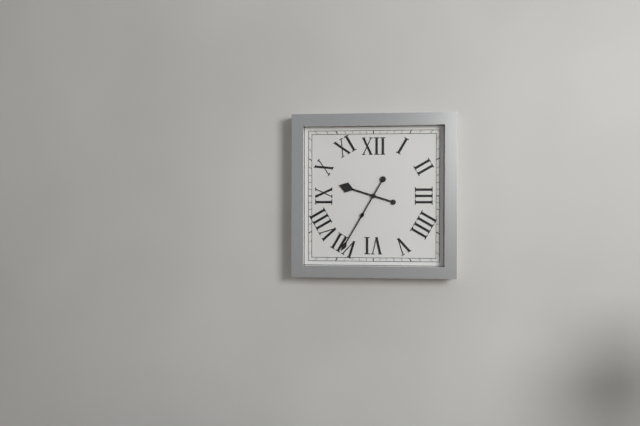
9:35
